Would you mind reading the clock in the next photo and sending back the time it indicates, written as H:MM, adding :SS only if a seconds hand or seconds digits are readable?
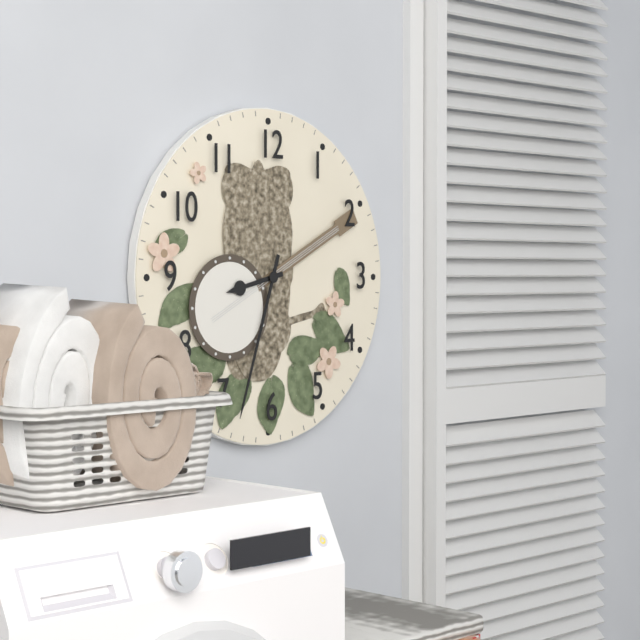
8:33
